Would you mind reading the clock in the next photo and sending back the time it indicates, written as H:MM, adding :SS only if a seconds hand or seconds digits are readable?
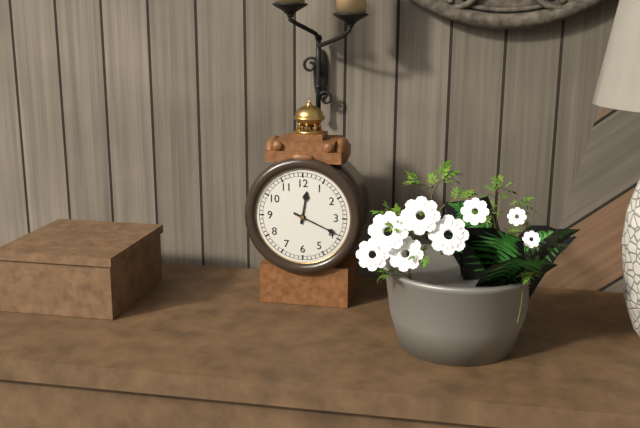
12:19
